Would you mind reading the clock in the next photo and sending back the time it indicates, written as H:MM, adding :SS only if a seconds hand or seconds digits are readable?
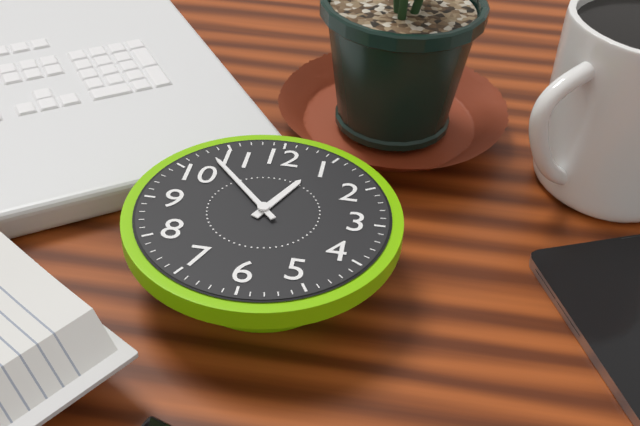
12:53
